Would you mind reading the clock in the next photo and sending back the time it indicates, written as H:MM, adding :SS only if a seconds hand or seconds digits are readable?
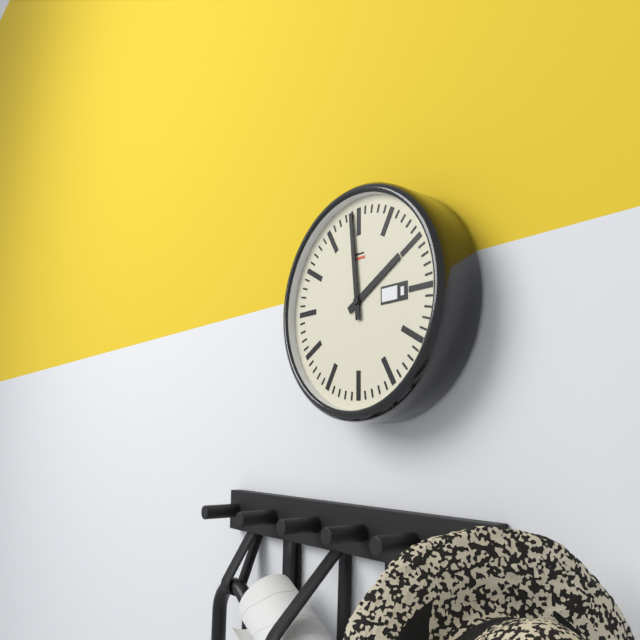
1:59
